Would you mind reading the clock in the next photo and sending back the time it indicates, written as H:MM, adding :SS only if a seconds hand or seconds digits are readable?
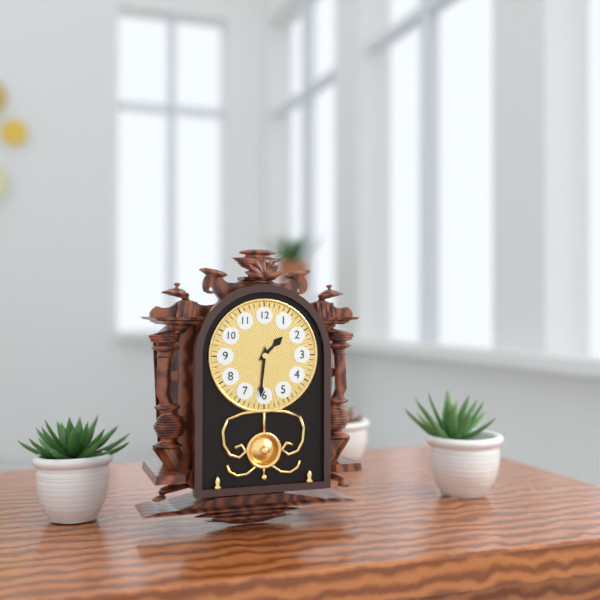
1:31
